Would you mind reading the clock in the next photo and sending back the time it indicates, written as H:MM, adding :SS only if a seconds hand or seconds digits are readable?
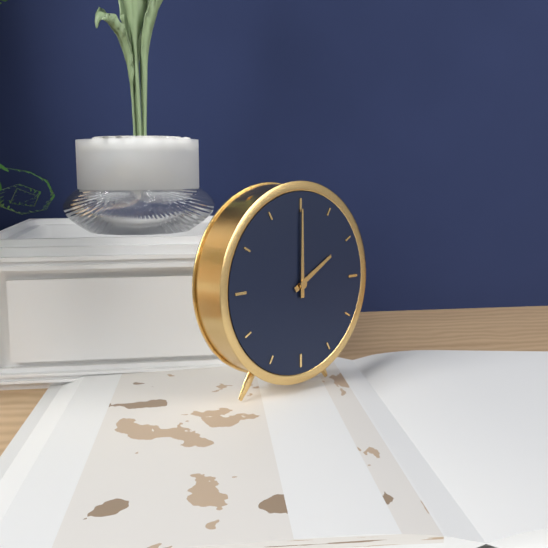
2:00
